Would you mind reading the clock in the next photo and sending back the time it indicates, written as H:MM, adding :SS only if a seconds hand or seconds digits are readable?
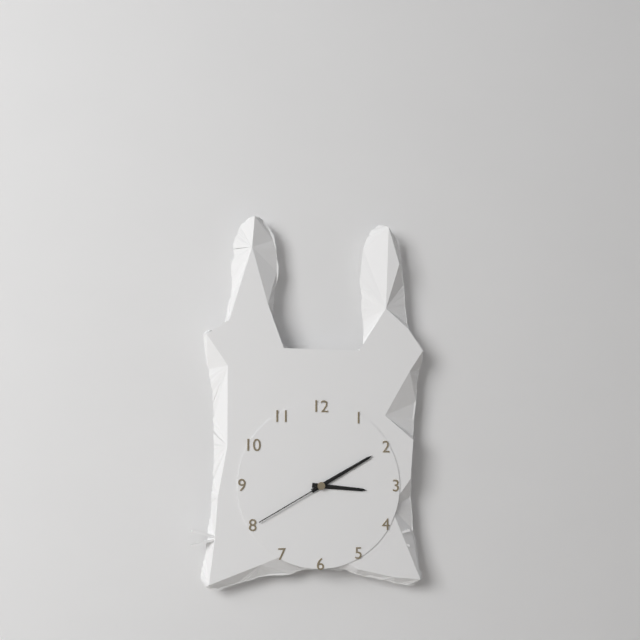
3:10:40
